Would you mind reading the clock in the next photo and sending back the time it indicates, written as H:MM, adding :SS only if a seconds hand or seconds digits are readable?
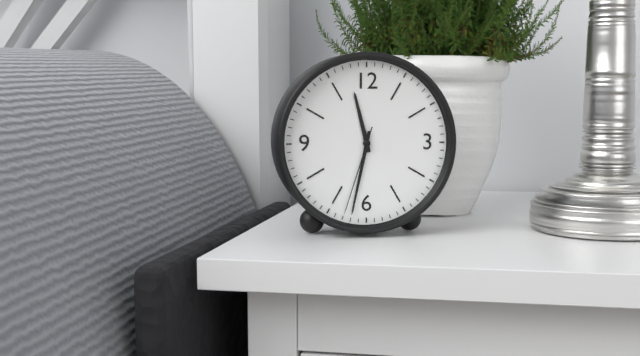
11:32:33
